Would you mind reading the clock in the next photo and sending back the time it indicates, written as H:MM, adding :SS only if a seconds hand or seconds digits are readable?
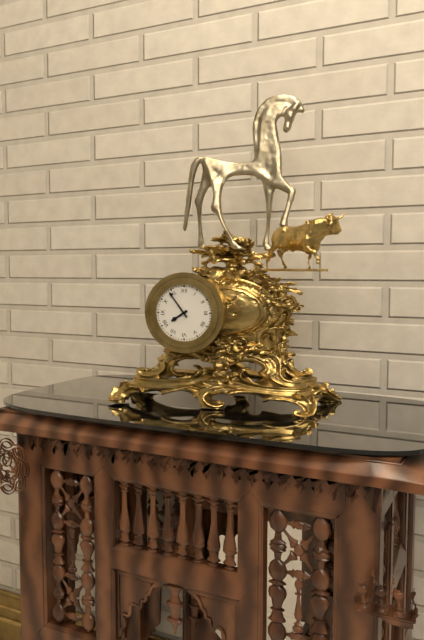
7:54
